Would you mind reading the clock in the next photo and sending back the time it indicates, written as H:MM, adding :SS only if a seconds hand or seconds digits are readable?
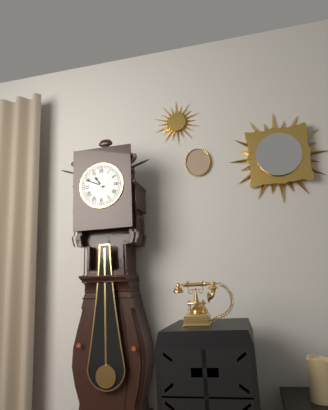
10:49
